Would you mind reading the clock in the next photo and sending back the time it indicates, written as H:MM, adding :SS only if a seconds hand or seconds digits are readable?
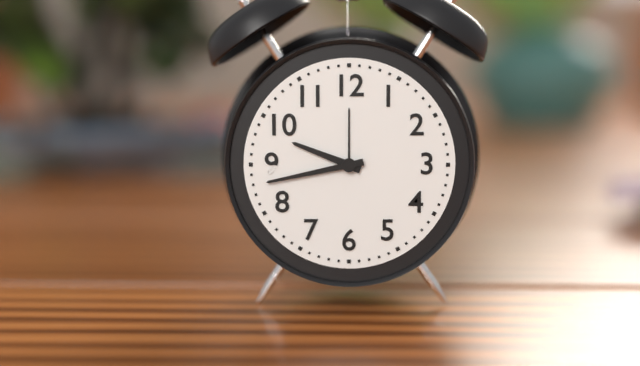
9:43
